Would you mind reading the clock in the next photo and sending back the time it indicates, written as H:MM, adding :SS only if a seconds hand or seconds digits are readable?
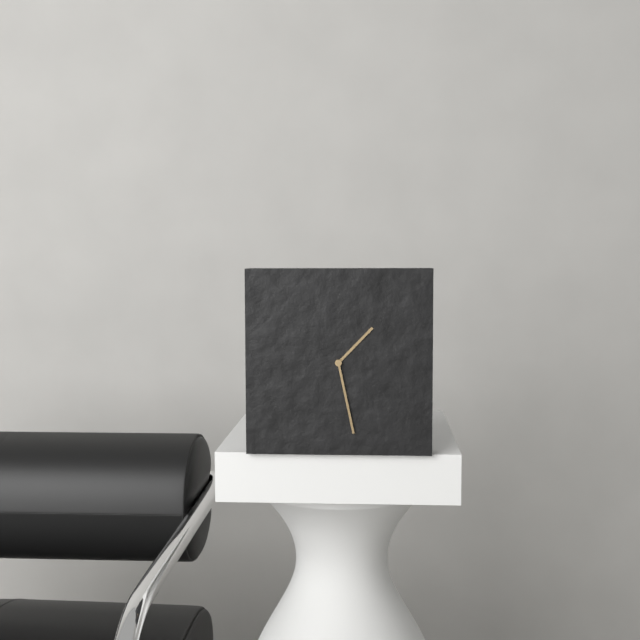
1:28
